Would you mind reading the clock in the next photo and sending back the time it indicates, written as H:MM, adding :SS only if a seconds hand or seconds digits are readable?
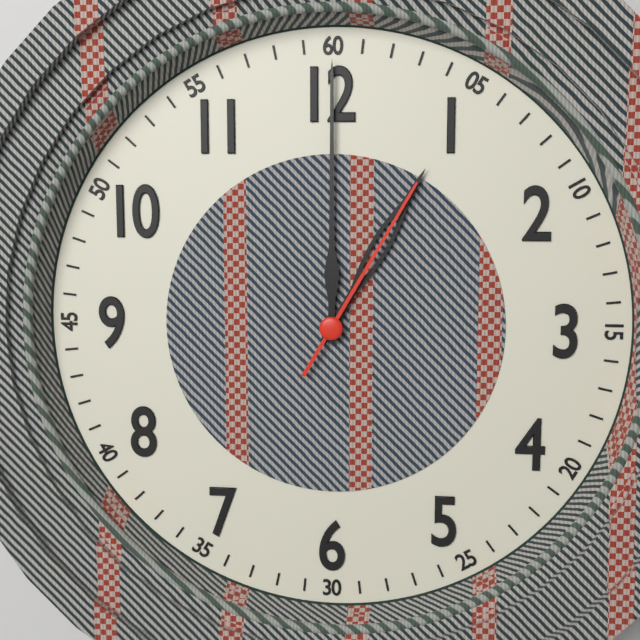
1:00:05
